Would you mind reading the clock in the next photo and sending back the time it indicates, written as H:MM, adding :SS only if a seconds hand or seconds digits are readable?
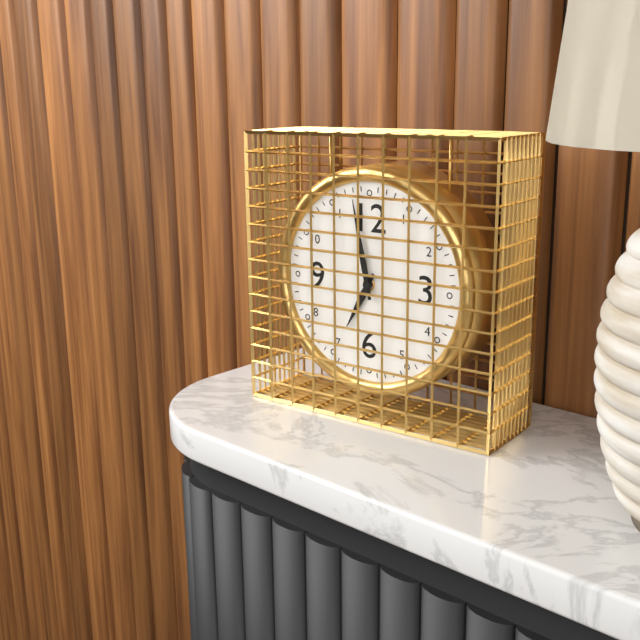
6:58
